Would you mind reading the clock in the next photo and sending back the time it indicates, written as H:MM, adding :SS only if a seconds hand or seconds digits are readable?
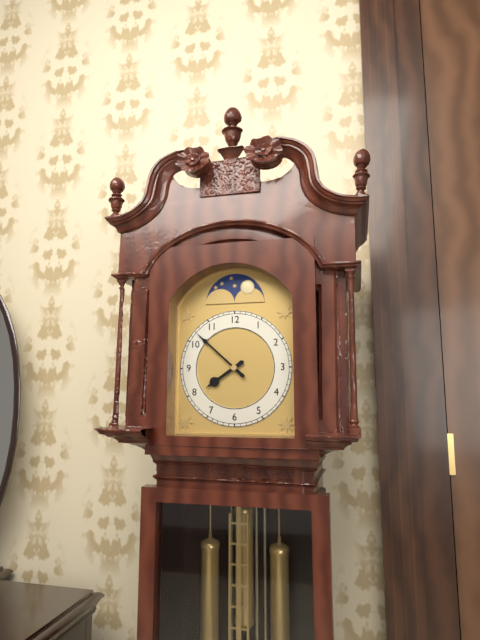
7:52
